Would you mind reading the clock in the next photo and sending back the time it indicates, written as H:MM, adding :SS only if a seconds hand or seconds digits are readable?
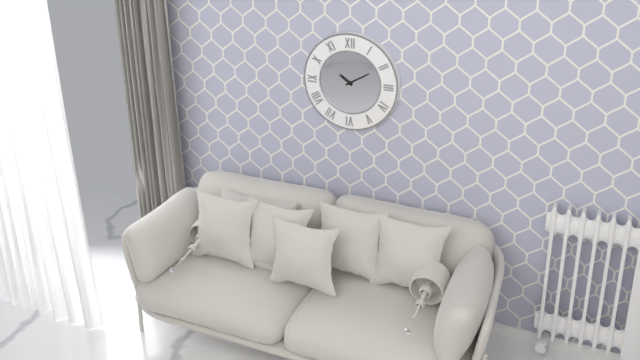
10:10
